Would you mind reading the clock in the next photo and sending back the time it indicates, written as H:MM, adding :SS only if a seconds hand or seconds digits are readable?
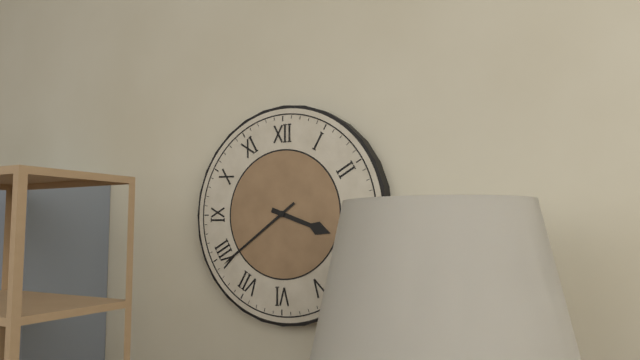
3:39
